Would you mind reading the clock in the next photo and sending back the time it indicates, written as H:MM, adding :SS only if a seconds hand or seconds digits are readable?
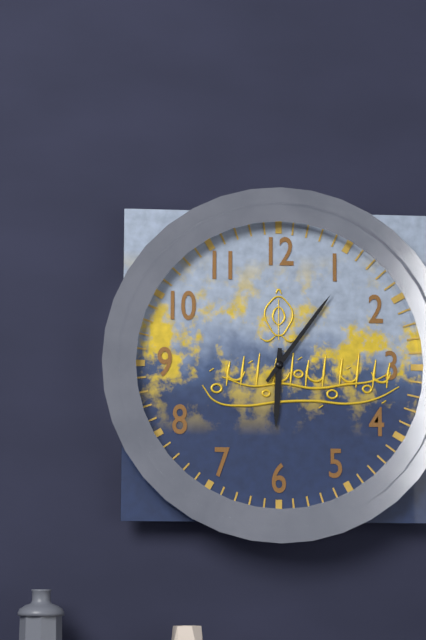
6:06
